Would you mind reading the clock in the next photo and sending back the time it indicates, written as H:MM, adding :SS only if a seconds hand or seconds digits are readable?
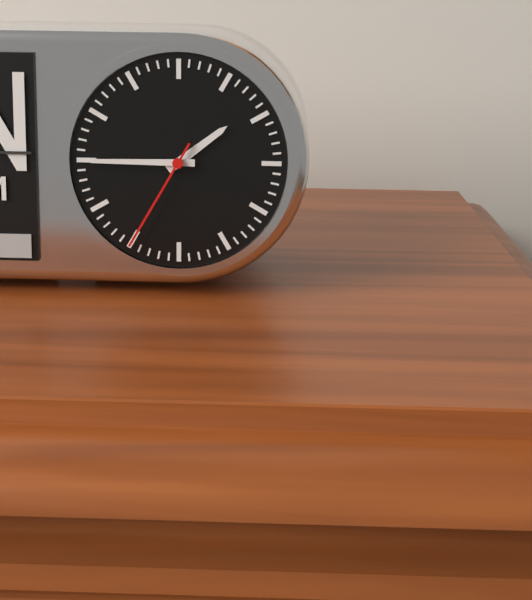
1:45:35
